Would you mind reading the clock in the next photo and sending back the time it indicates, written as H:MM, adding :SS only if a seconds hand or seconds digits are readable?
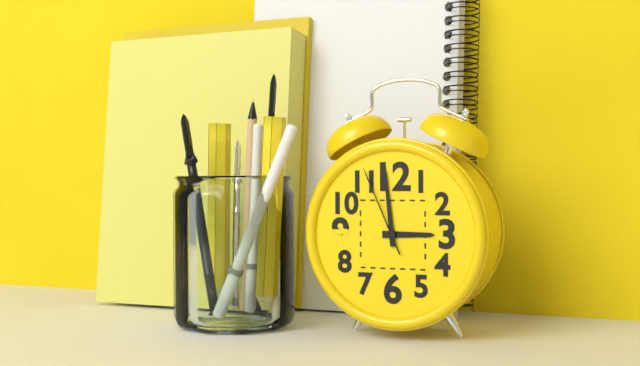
2:59:56
